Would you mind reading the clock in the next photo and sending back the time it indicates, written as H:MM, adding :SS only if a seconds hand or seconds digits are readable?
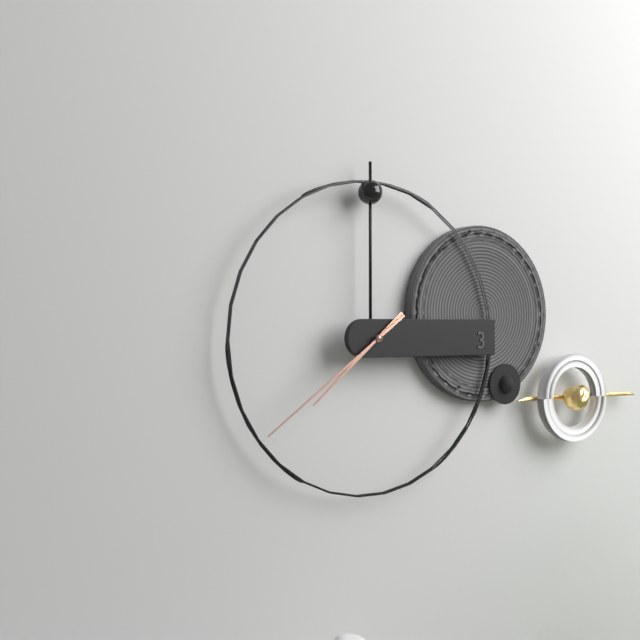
7:39
